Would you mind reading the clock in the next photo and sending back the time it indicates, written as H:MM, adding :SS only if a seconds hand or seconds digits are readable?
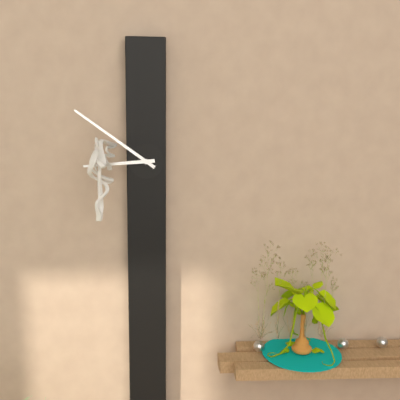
8:51
